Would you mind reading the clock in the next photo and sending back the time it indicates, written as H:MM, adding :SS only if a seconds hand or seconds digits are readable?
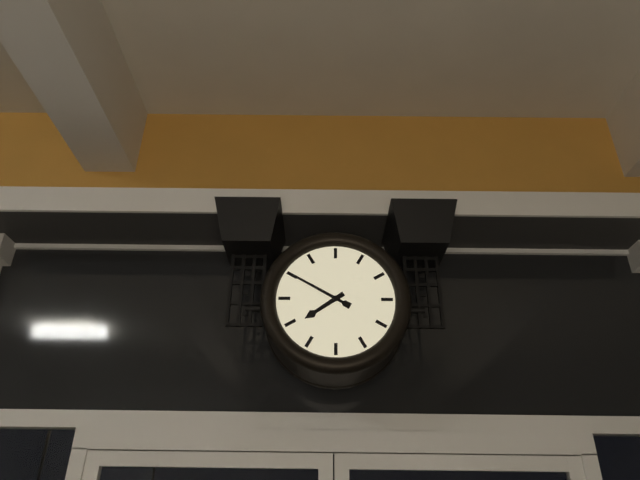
7:50
